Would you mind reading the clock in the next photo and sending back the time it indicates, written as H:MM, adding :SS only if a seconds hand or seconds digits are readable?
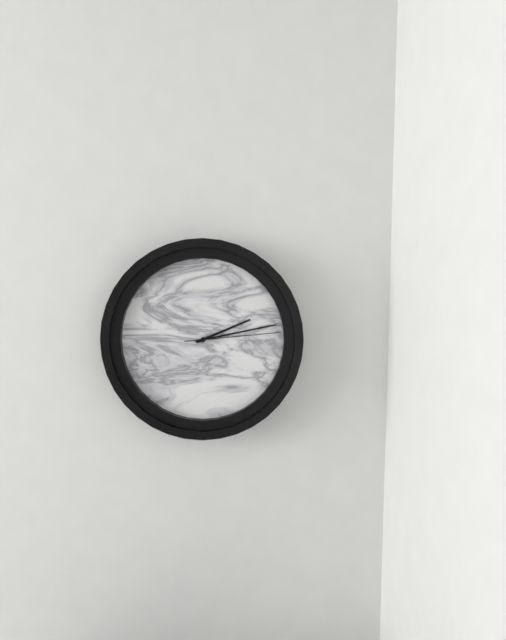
2:13:14
